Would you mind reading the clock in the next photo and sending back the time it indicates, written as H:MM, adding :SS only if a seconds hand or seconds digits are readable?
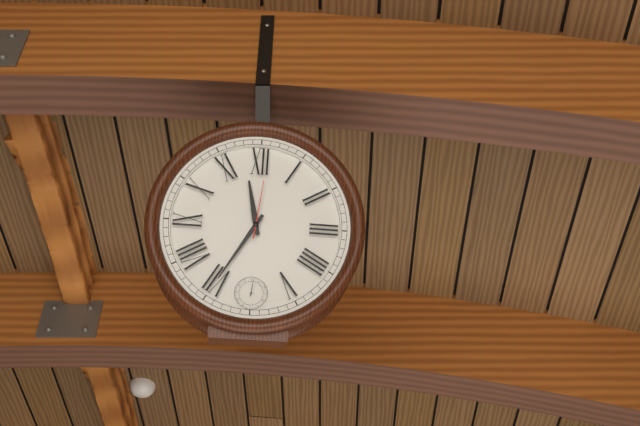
11:35:01
